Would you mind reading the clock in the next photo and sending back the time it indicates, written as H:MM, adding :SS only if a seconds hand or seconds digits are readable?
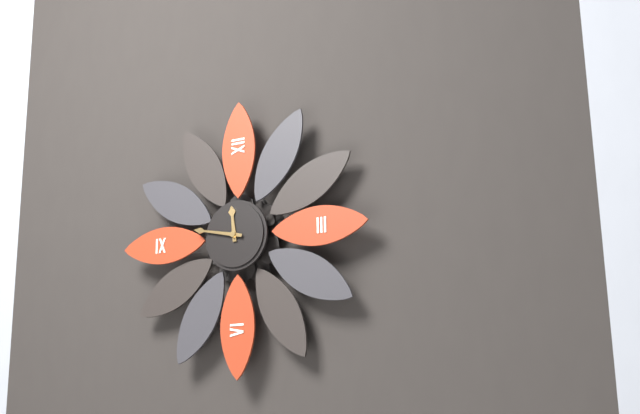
11:47
